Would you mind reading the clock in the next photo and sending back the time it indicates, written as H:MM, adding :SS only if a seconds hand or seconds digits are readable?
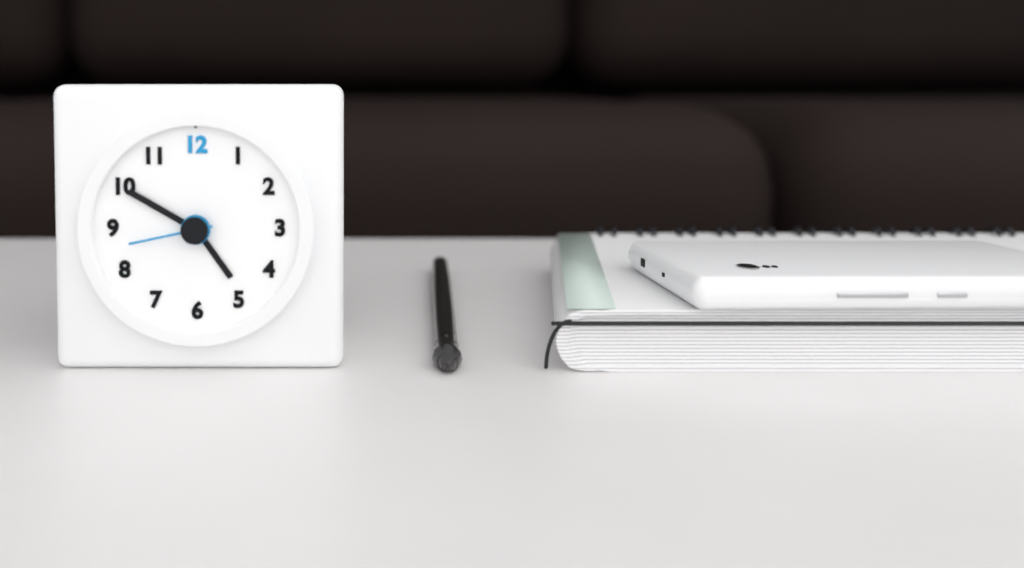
4:50:43
